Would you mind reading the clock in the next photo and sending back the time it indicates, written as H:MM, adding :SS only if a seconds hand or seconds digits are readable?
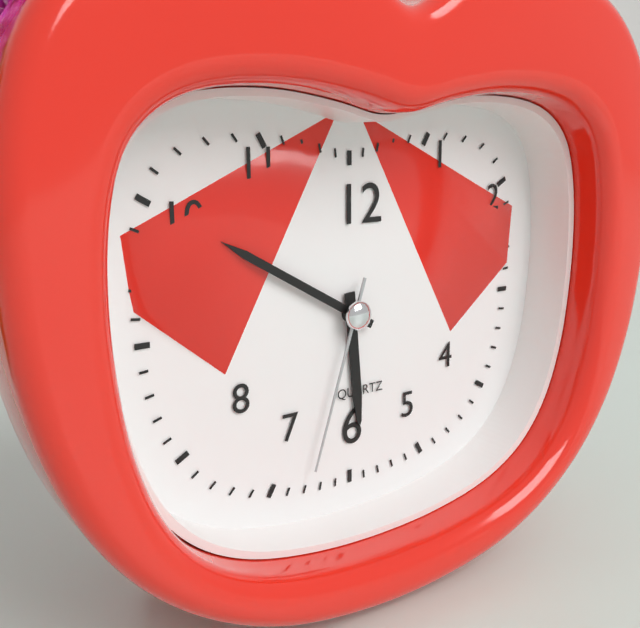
5:50:33
